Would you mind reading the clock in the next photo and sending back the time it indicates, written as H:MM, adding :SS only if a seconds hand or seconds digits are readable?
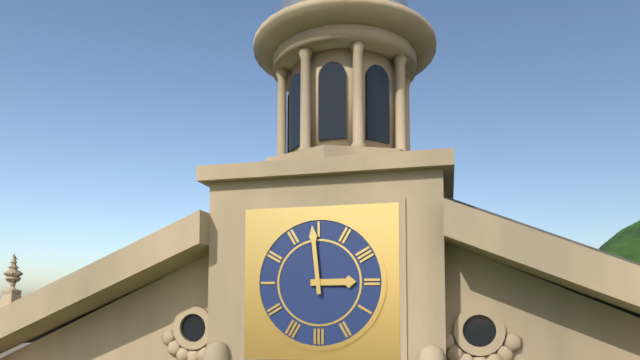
2:59
